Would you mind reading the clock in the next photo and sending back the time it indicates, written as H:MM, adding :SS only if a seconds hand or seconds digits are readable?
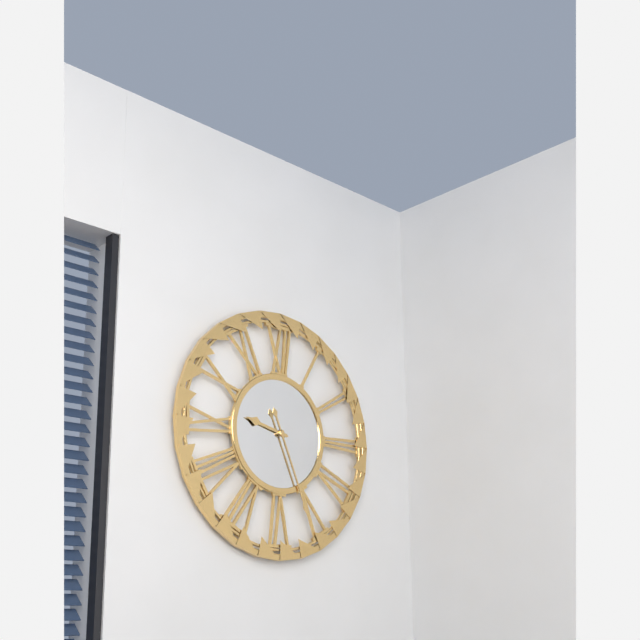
9:26
